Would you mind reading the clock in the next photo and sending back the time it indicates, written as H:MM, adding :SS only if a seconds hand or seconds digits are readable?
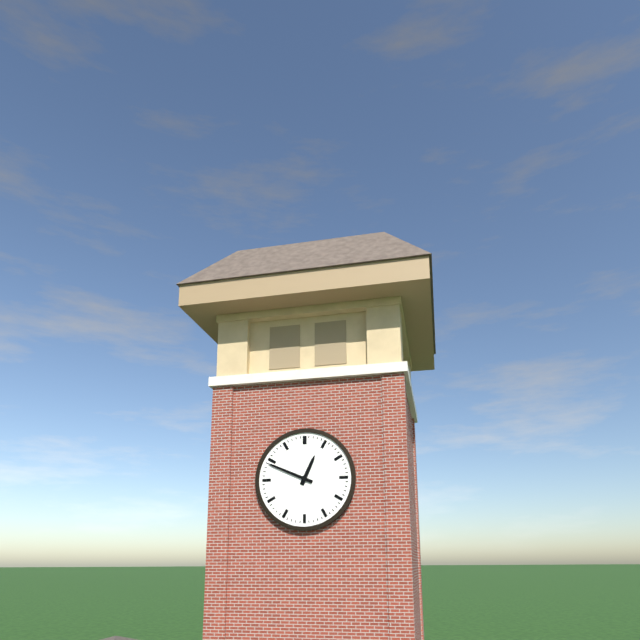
12:49
